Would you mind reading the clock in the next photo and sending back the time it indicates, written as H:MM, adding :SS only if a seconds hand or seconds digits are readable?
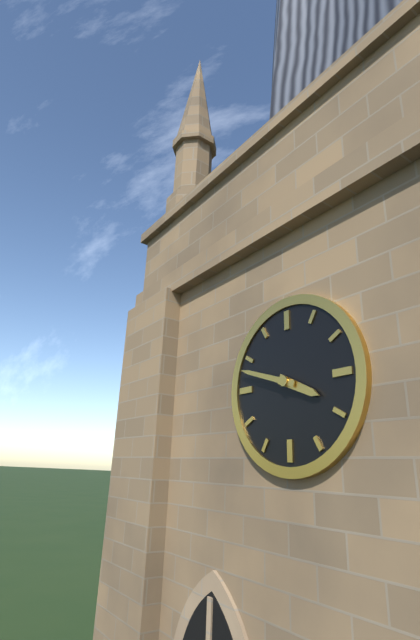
3:48
